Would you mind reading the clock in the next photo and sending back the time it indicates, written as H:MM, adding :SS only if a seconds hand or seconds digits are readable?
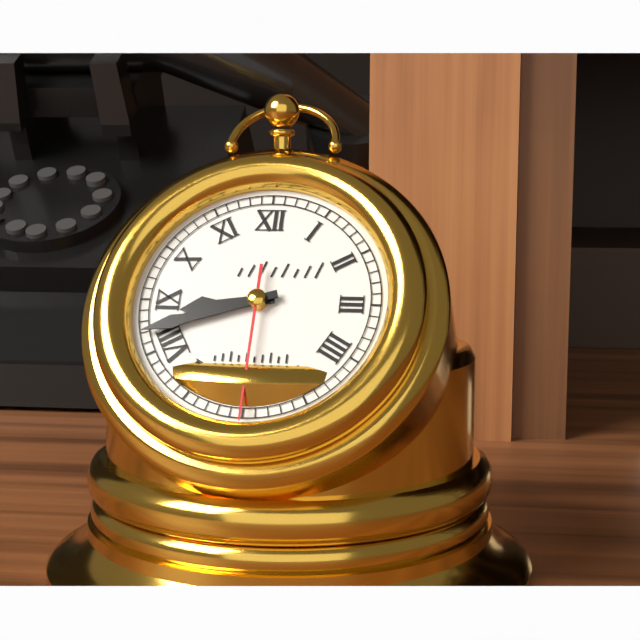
8:42:30
